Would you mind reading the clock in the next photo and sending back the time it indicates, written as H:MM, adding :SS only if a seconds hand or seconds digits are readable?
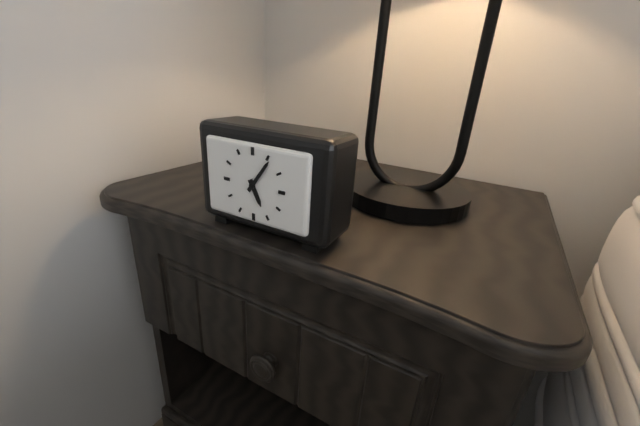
5:06
